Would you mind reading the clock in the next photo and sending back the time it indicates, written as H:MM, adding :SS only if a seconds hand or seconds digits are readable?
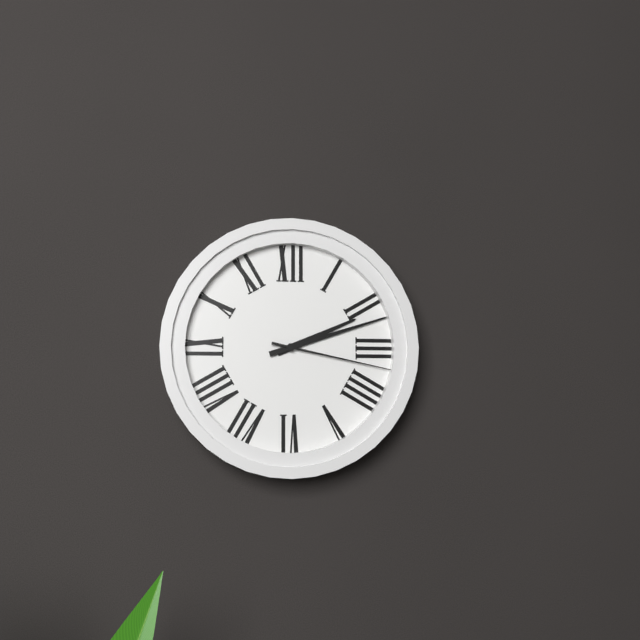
2:12:17
